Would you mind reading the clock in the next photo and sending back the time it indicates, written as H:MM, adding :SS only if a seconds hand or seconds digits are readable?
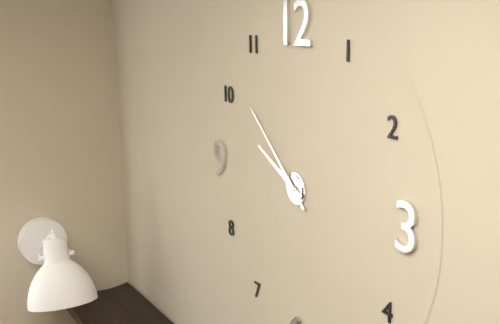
9:52
